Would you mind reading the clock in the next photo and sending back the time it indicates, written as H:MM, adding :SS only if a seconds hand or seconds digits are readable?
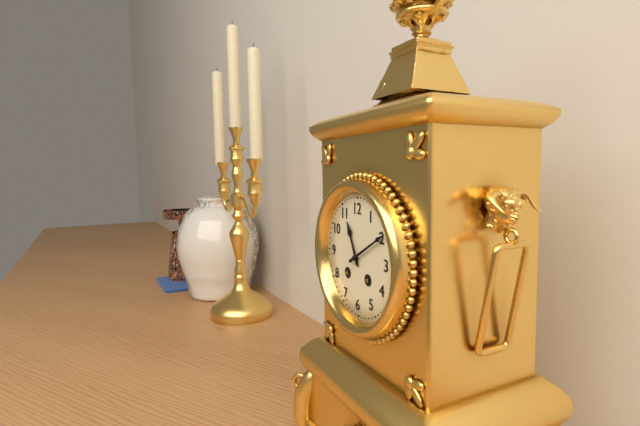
11:10
